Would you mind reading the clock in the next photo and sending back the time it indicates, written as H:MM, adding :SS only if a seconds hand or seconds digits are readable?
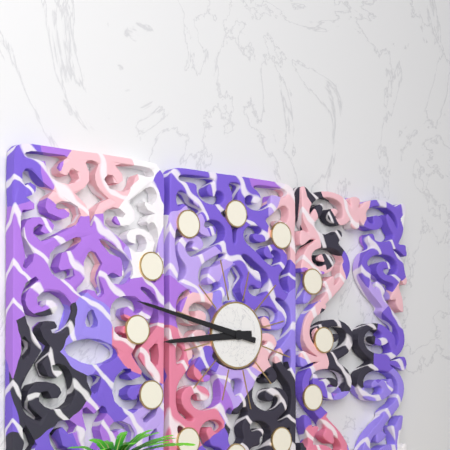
8:47
